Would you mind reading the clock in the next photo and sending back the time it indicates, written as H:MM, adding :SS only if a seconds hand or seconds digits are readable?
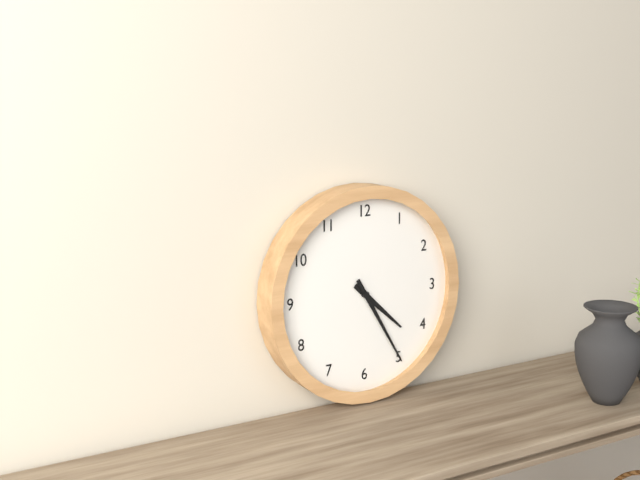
4:25
